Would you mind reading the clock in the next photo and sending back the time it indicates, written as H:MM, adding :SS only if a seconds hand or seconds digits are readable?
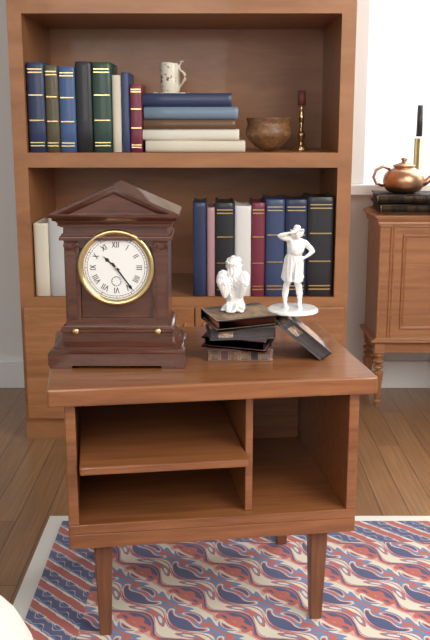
10:24
